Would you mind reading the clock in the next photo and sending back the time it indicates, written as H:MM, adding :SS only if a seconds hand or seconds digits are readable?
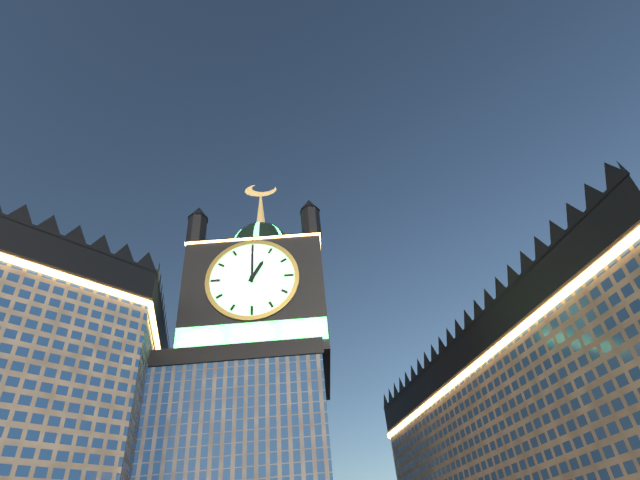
1:00
